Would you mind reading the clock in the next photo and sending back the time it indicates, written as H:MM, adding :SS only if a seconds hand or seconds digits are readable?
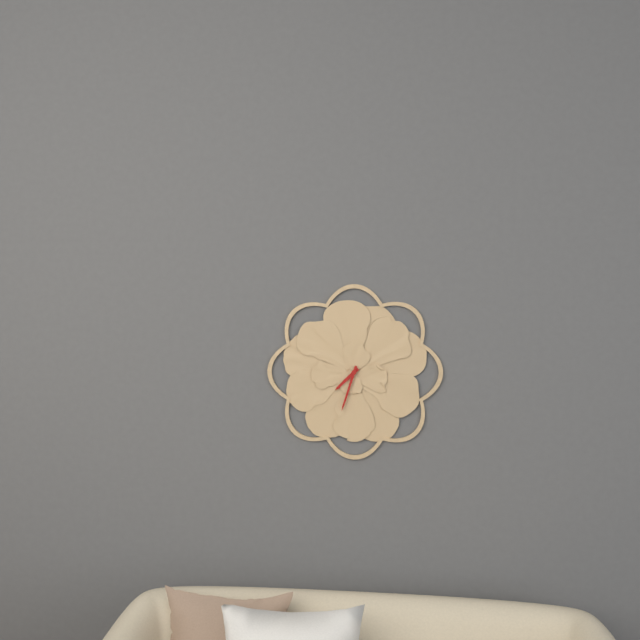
7:33
